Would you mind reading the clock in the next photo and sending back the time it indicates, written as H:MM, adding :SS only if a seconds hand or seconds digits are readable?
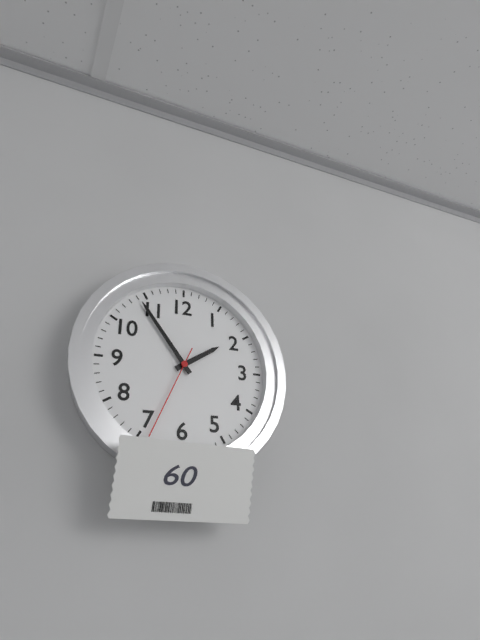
1:54:34
